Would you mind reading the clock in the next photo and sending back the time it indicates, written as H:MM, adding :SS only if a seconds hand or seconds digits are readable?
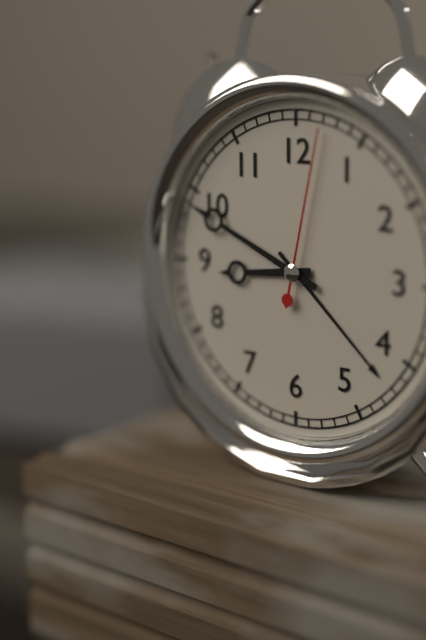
8:49:02
